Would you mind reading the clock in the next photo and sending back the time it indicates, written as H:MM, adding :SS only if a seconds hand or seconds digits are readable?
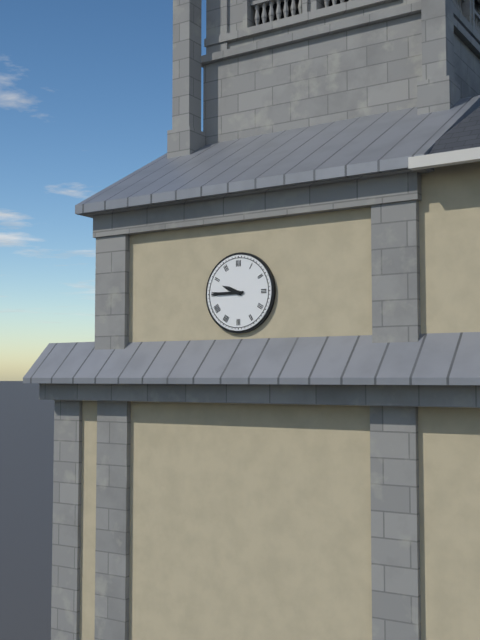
9:45
